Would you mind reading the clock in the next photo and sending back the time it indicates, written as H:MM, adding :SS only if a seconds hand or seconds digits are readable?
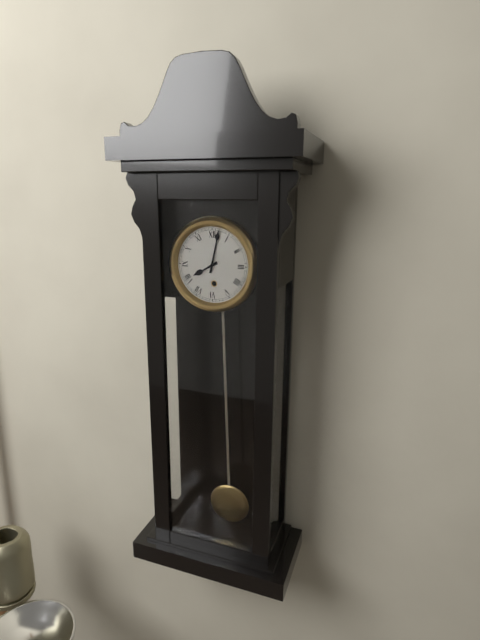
8:02
